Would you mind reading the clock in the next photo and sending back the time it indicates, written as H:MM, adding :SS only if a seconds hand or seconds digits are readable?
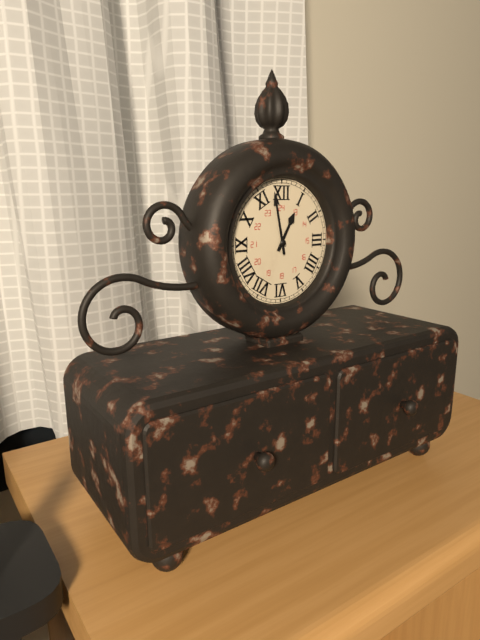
12:58
